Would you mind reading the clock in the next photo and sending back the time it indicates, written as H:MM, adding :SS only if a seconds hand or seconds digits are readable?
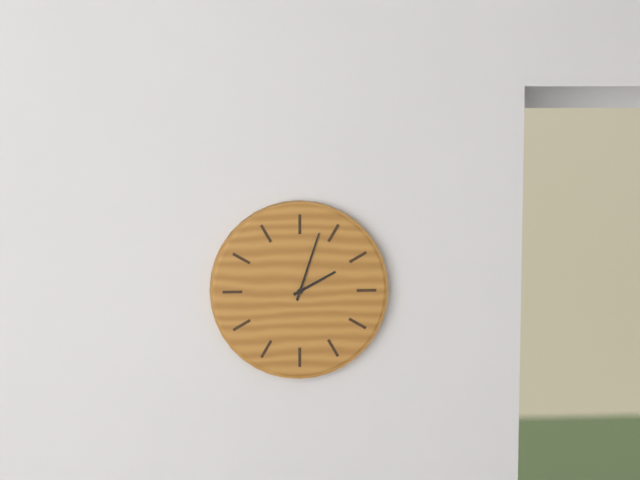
2:03
